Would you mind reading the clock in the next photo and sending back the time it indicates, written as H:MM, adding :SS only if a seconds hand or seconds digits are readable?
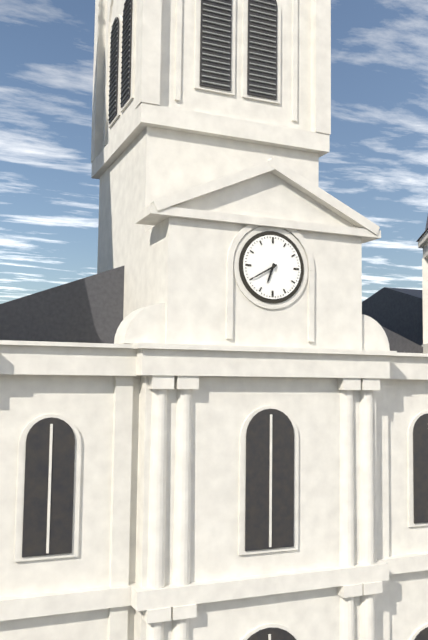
6:40
